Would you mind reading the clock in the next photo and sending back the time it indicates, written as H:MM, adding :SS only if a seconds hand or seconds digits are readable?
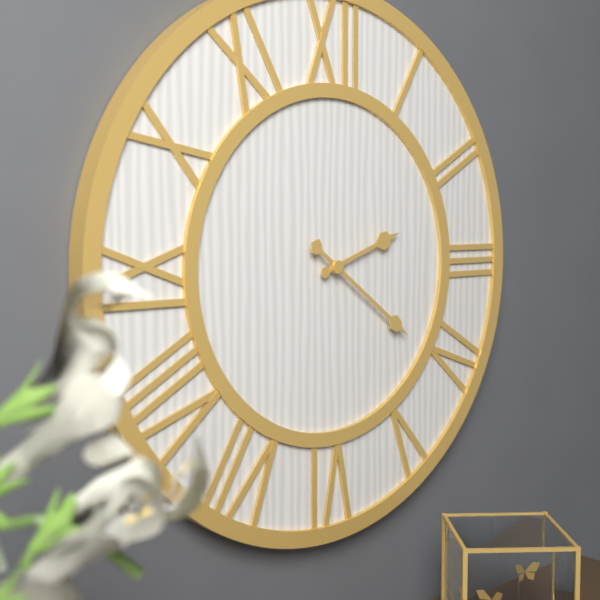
2:21
